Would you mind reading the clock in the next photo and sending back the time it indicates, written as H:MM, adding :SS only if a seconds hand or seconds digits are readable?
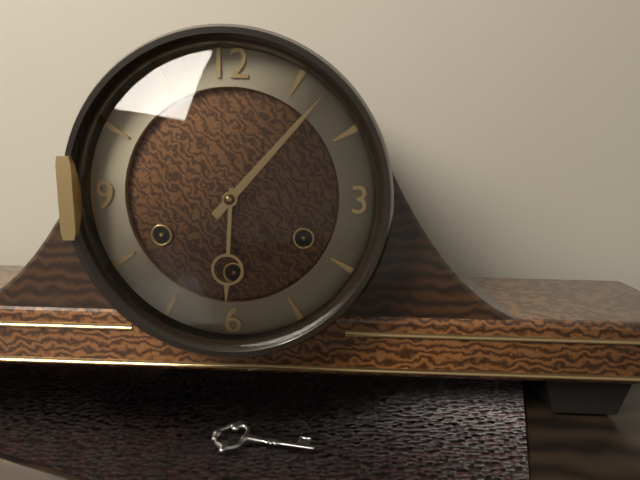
6:07
